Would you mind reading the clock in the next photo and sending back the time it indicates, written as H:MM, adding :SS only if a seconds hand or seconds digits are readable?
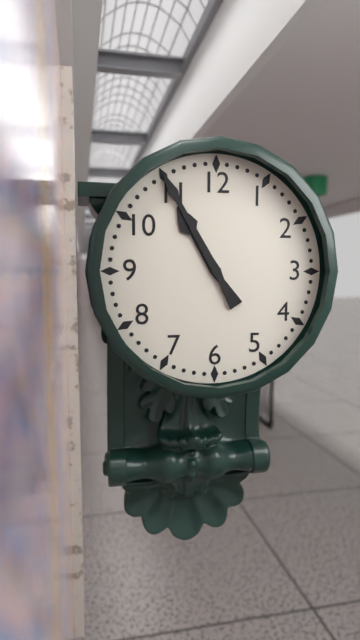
10:55
